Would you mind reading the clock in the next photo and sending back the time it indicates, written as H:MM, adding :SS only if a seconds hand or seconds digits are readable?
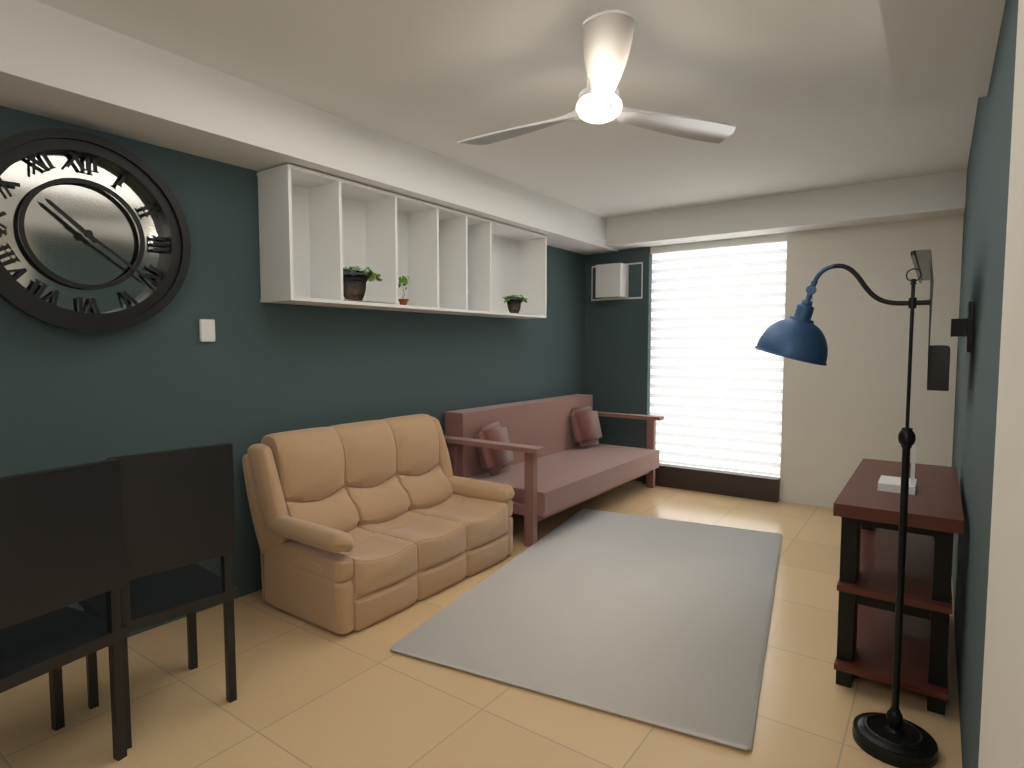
10:21
